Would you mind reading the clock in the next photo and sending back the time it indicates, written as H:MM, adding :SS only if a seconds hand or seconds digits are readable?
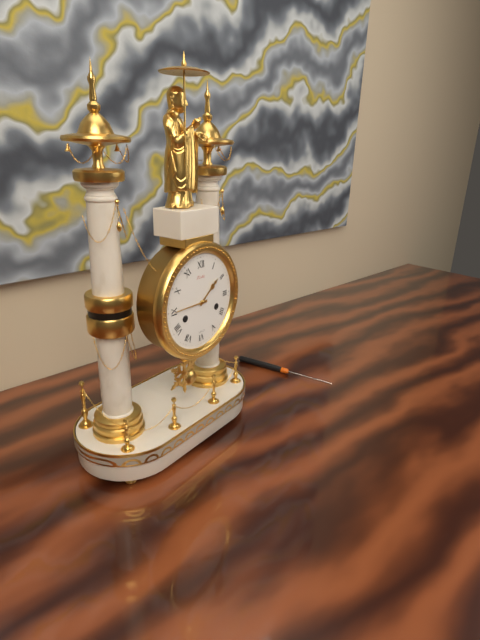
1:45
